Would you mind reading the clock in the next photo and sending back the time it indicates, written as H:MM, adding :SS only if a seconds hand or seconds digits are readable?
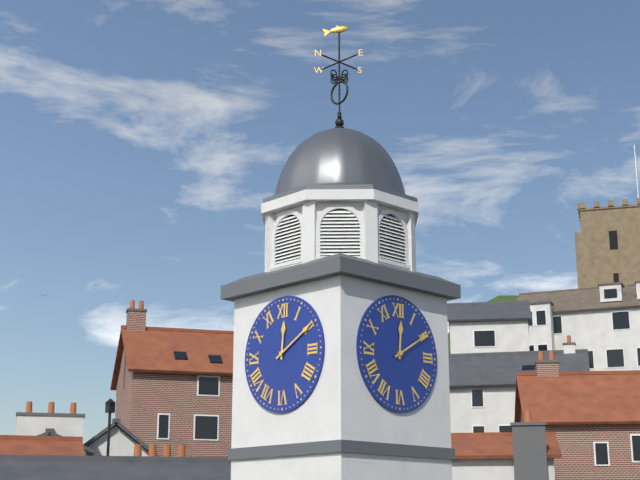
12:10
